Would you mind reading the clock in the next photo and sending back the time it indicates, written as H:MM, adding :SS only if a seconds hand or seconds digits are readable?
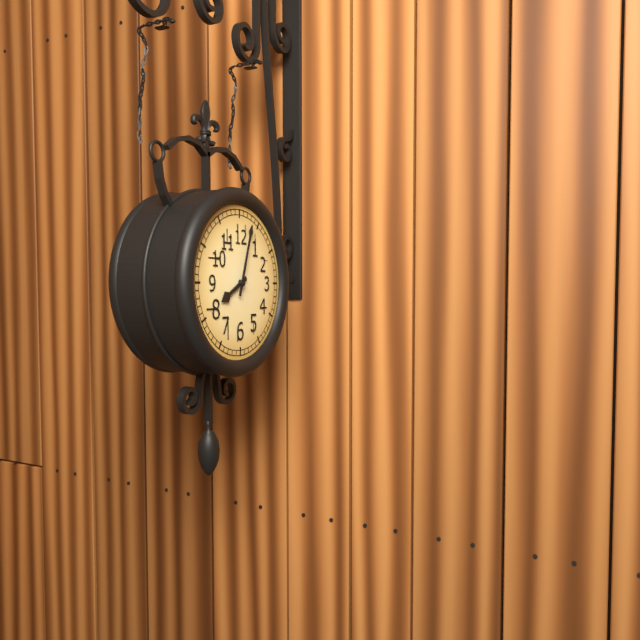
8:03
